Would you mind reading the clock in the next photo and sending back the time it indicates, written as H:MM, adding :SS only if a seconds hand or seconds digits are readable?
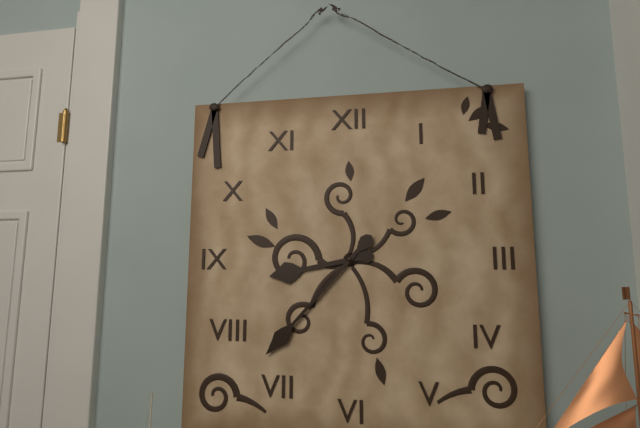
8:37
